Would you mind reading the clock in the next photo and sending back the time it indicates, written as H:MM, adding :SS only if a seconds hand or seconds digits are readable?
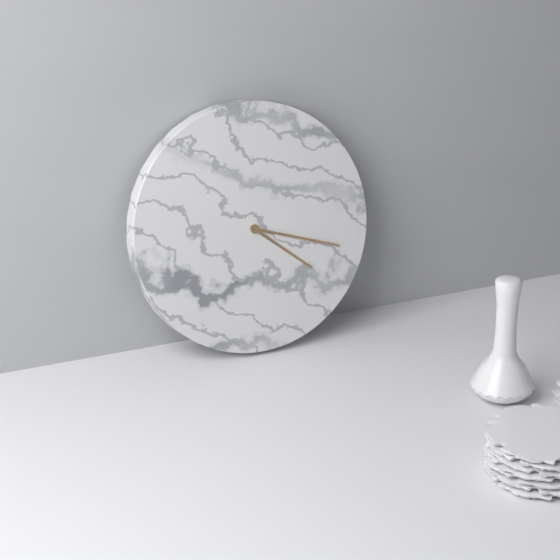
4:18
